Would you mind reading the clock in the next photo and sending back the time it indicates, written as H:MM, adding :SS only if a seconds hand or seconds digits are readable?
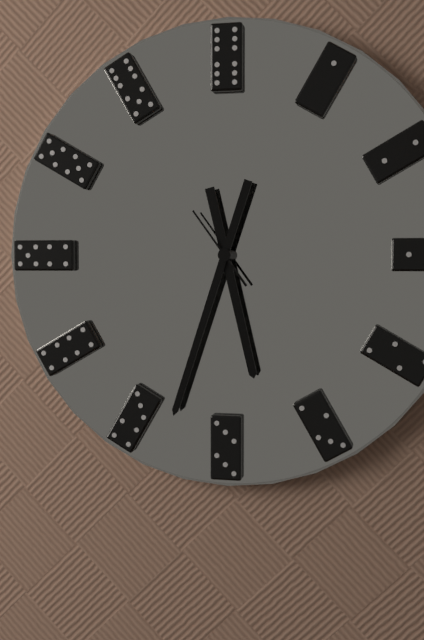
5:33:54
